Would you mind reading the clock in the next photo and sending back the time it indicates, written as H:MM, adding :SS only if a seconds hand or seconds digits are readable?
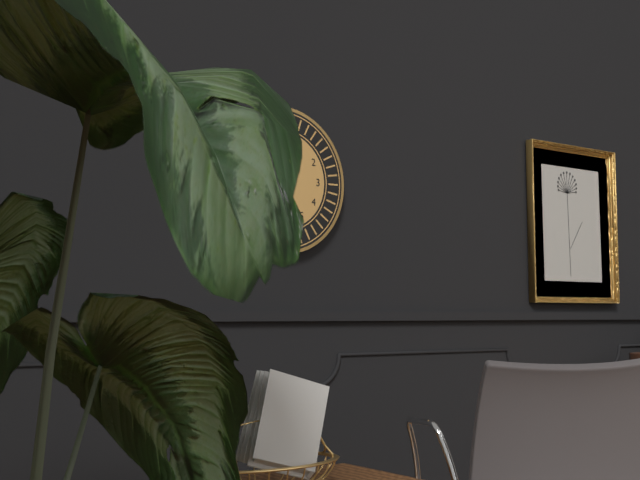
11:54
